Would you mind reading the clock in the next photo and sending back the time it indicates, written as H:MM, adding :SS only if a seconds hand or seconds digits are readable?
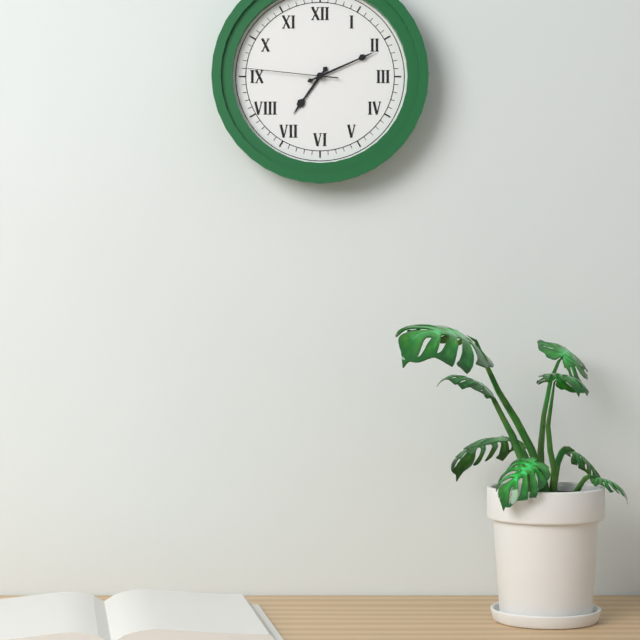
7:11:46
